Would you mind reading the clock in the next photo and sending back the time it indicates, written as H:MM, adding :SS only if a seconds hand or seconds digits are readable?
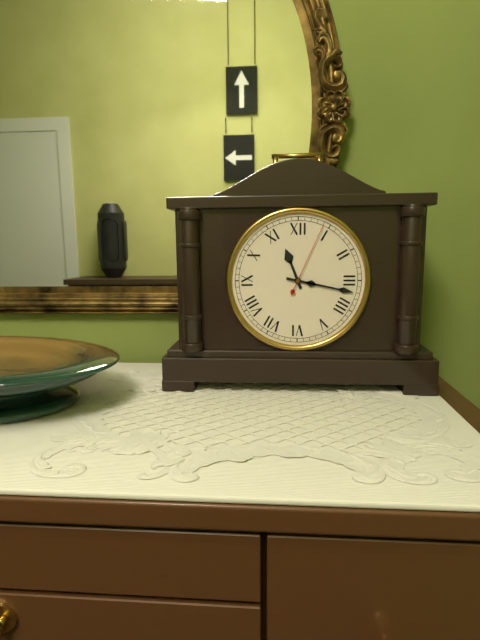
11:17:04
